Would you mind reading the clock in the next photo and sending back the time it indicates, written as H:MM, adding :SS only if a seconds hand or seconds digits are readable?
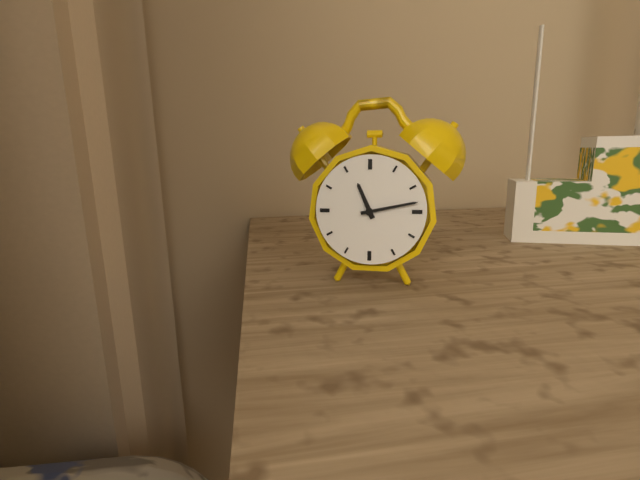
11:13
